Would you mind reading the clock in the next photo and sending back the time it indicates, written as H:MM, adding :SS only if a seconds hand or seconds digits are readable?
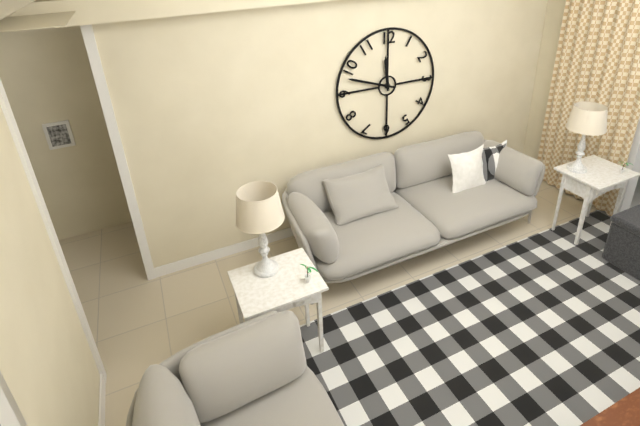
11:48
